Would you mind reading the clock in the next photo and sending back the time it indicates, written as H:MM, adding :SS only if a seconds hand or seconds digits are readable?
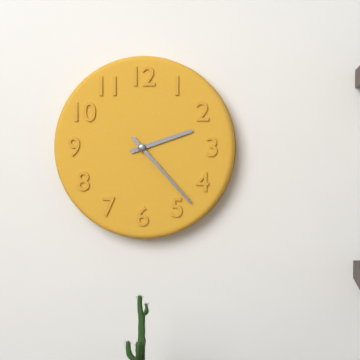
2:23
